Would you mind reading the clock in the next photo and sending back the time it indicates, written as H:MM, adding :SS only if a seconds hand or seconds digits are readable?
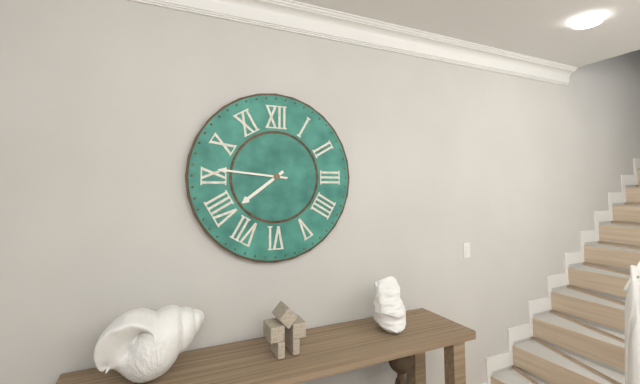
7:46
